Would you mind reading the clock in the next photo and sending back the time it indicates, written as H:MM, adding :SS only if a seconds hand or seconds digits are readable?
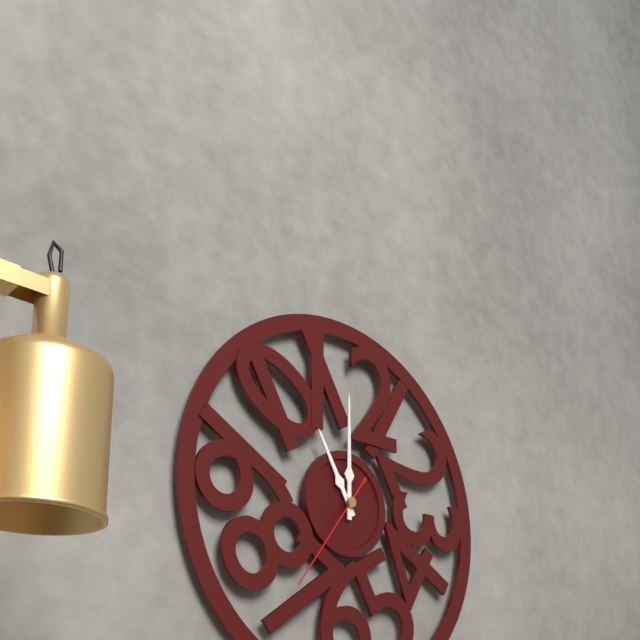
11:00:36
